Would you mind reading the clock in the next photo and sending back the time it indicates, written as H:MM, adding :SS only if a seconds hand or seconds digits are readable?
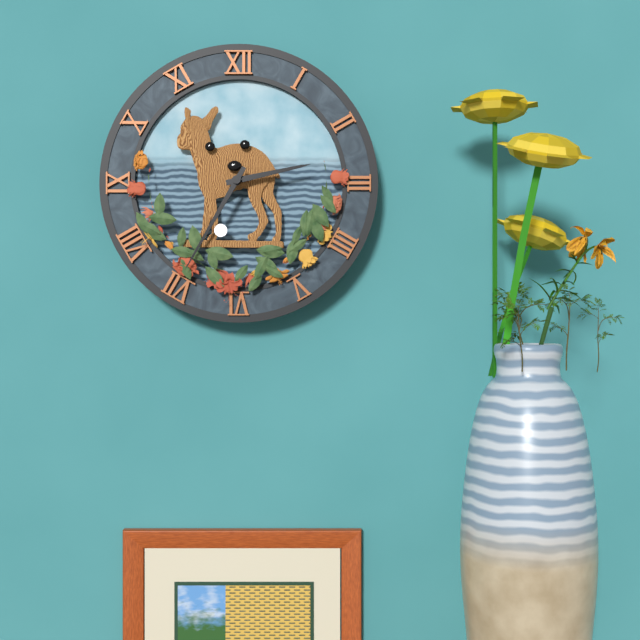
2:35
